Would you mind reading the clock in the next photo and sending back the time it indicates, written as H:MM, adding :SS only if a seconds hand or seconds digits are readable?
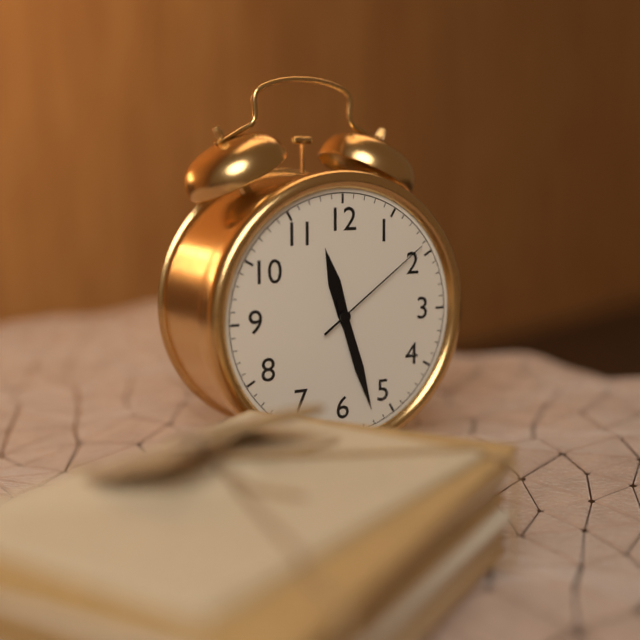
11:27:09
